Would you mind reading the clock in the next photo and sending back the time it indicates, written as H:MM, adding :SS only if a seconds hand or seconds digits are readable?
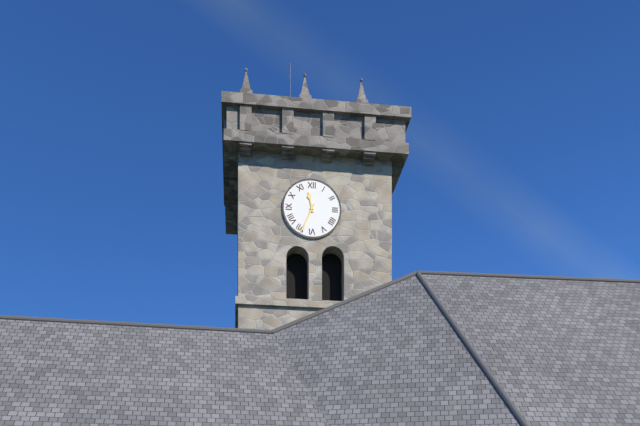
11:34
